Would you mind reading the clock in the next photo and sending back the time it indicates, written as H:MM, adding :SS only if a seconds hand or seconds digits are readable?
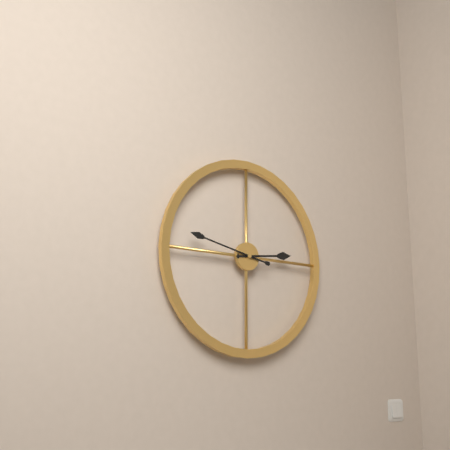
2:47
